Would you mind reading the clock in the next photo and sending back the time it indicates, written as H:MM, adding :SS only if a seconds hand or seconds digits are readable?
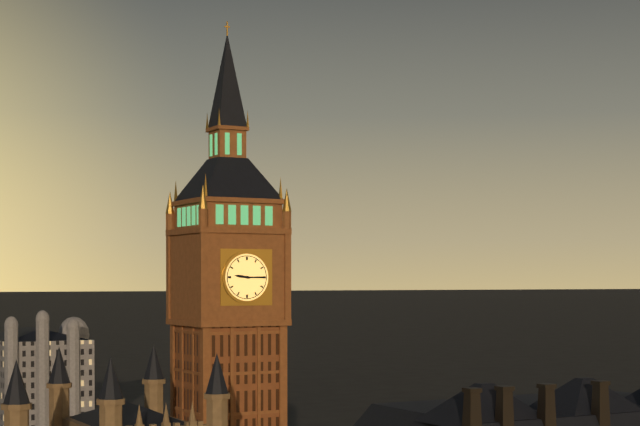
9:15
